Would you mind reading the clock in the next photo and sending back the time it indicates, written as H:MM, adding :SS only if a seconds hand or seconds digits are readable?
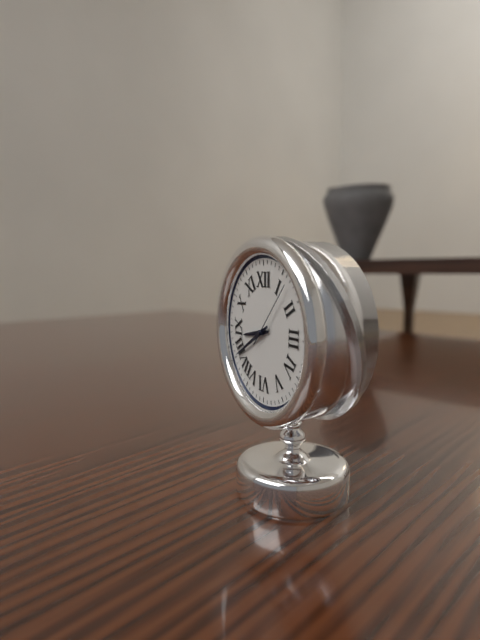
8:40:07
